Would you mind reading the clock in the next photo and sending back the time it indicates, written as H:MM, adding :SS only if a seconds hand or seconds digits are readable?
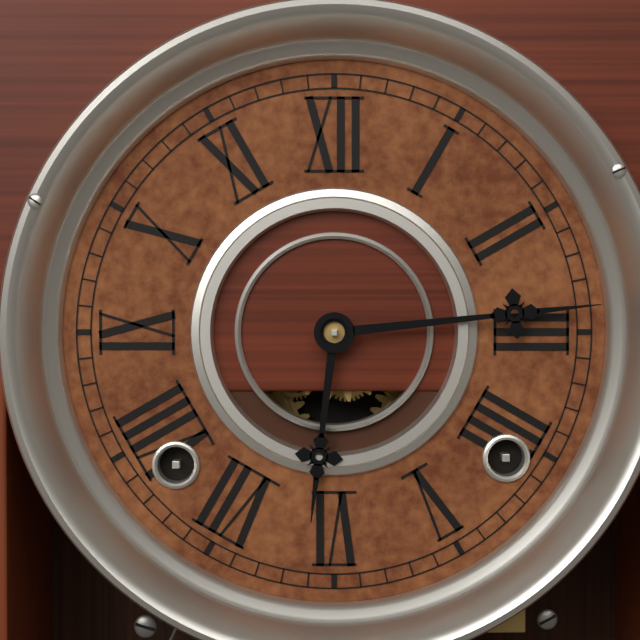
6:14
